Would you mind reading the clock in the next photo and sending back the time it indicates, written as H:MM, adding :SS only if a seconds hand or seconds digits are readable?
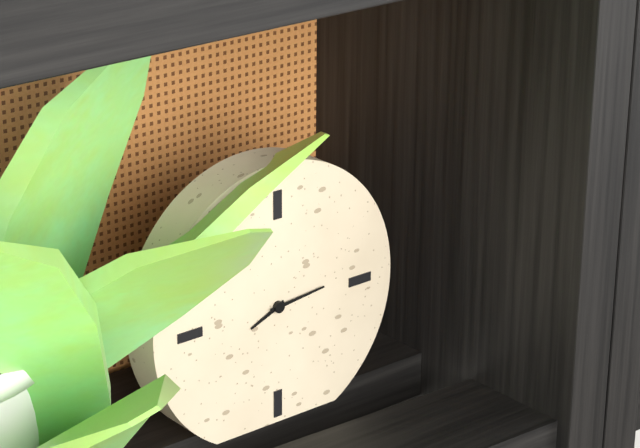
8:14
